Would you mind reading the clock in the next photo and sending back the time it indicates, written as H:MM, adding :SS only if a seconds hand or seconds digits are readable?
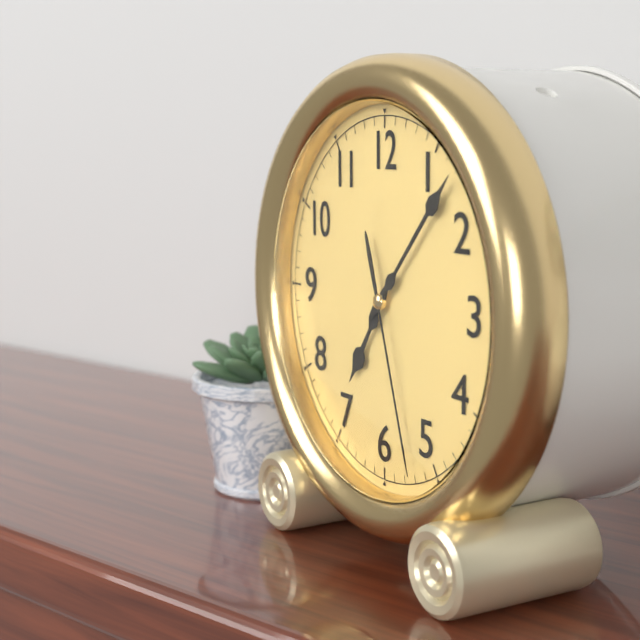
7:07:27
